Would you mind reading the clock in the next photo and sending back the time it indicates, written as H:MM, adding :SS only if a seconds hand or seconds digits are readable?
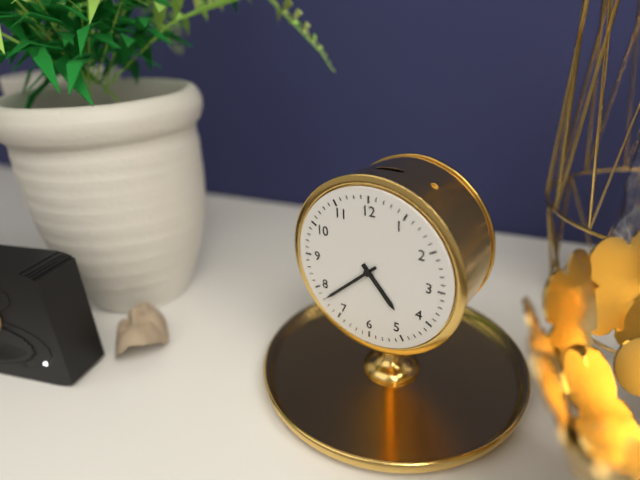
4:38
